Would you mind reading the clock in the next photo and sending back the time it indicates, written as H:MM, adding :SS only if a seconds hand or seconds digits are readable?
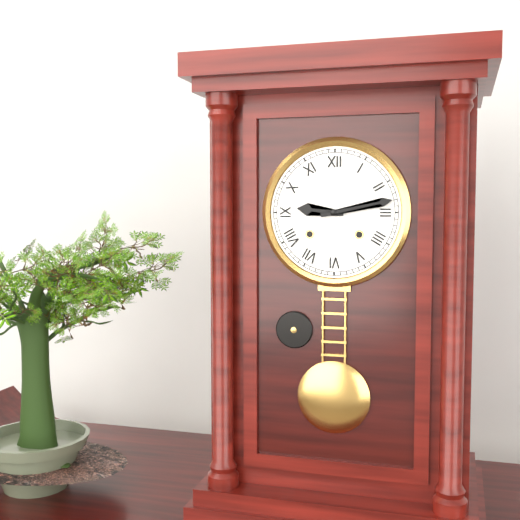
9:13
